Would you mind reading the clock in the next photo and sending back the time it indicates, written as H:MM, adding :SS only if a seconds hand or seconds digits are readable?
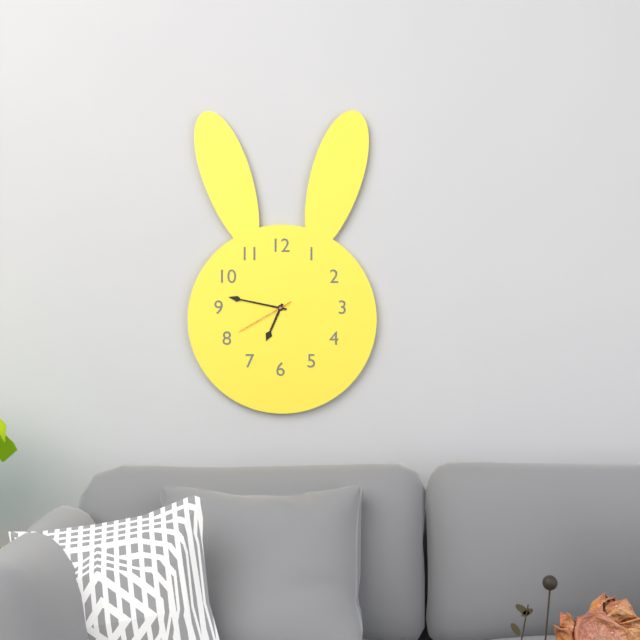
6:47:40
